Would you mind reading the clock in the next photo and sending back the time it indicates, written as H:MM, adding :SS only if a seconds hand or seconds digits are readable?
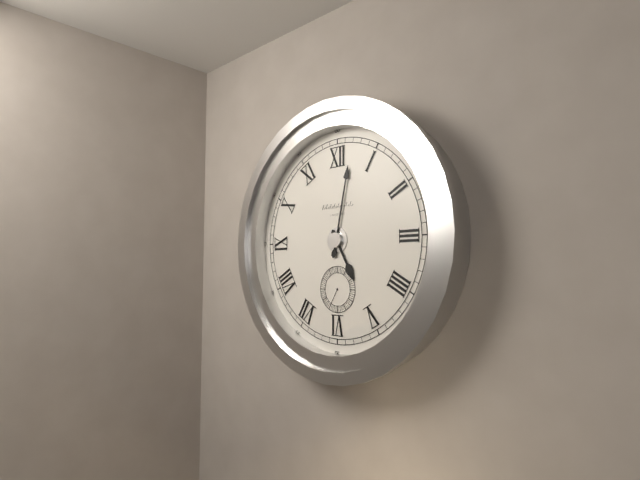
5:02
